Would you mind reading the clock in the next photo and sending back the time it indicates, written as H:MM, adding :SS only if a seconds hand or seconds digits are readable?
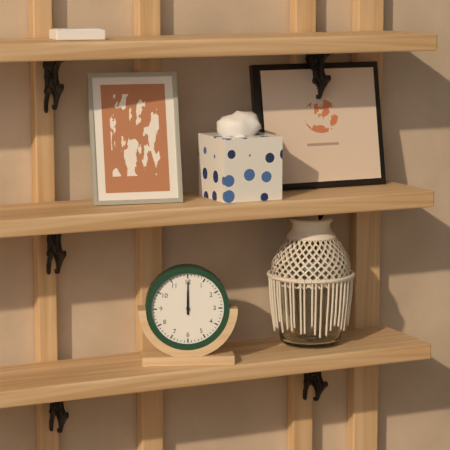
12:00
